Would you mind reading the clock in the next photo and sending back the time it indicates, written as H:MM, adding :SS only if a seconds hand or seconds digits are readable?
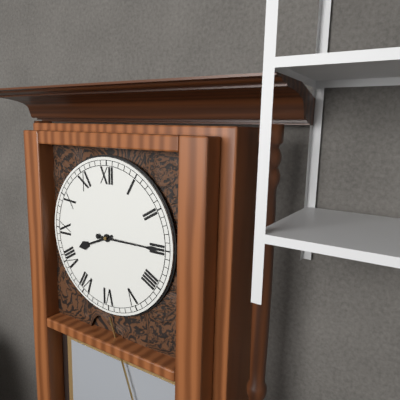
8:15
